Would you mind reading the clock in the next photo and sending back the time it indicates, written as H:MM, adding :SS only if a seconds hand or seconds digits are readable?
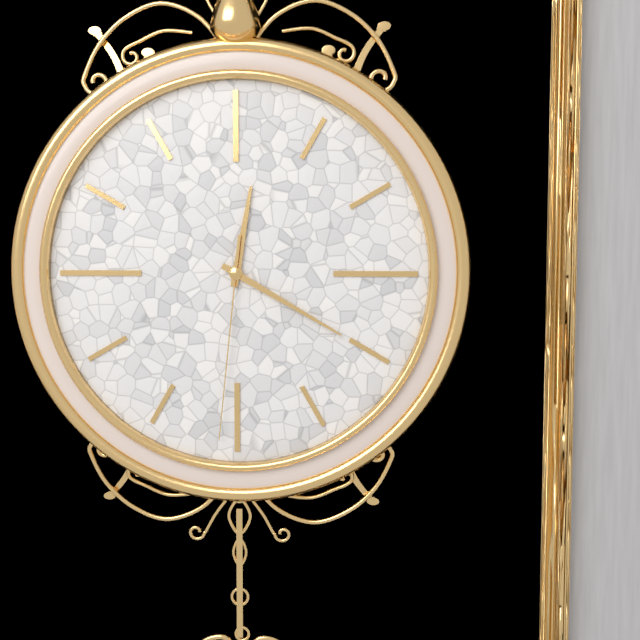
12:20:31
